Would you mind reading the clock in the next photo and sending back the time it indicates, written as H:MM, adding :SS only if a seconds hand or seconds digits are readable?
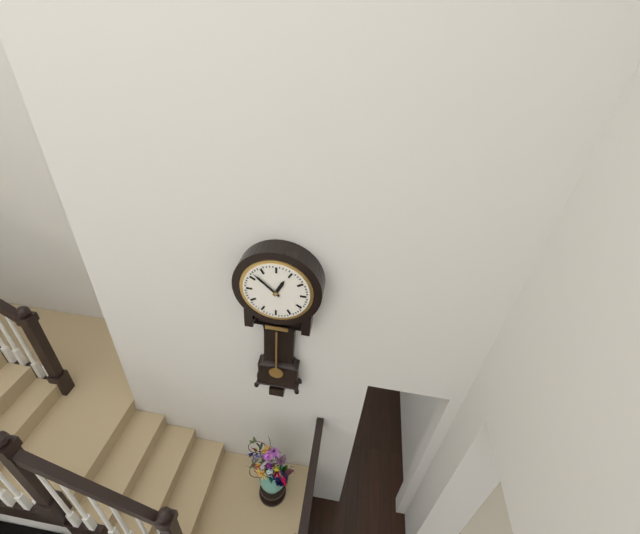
12:52
